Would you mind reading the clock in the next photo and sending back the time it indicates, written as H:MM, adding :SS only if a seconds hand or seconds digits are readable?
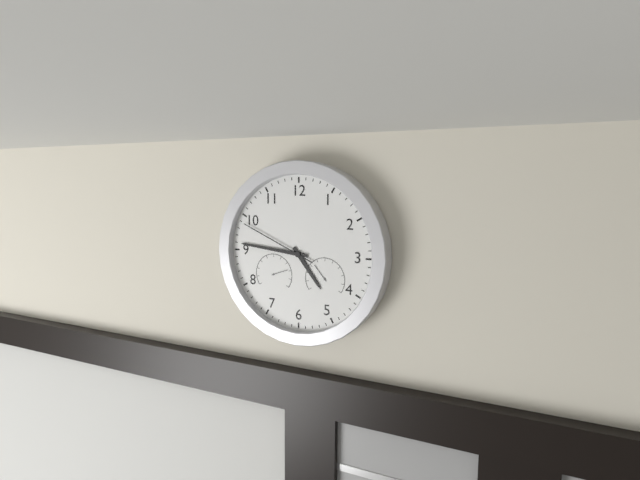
4:46:49
